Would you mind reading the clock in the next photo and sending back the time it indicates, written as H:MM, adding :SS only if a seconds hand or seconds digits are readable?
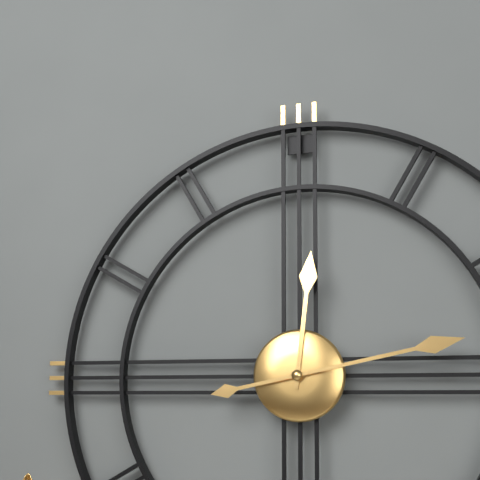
12:13
